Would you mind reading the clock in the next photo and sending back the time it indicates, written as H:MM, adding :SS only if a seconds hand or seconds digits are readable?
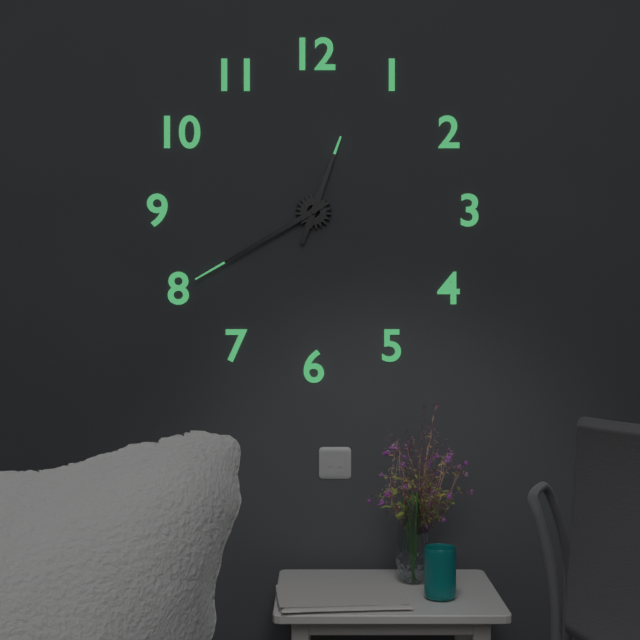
12:40
